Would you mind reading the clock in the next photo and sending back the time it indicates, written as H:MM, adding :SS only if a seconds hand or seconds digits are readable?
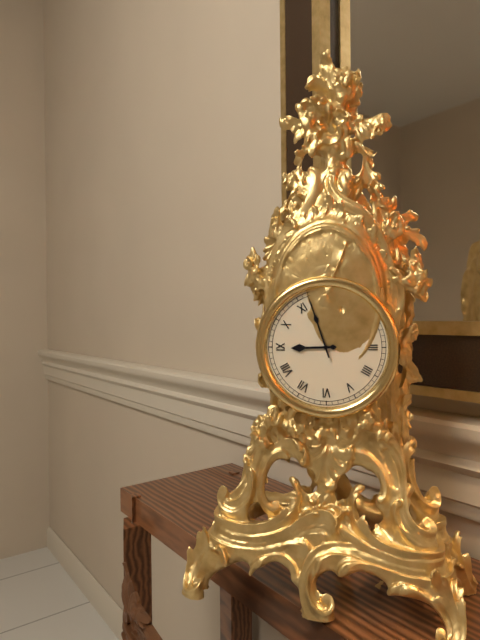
8:57
